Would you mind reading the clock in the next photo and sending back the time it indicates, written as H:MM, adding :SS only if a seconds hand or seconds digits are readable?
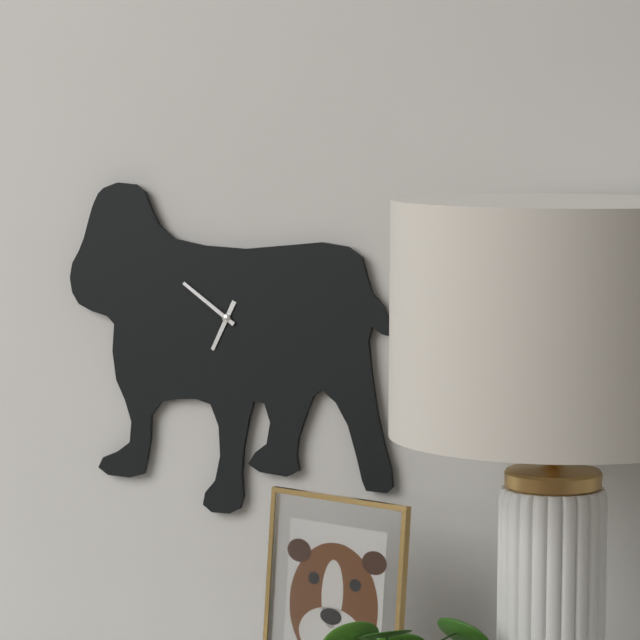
6:51
